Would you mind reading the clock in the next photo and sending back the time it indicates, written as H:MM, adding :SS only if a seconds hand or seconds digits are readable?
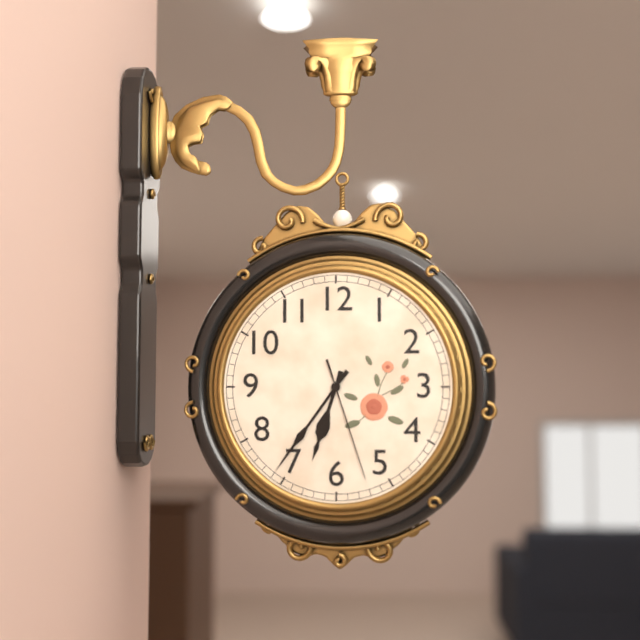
6:36:27
